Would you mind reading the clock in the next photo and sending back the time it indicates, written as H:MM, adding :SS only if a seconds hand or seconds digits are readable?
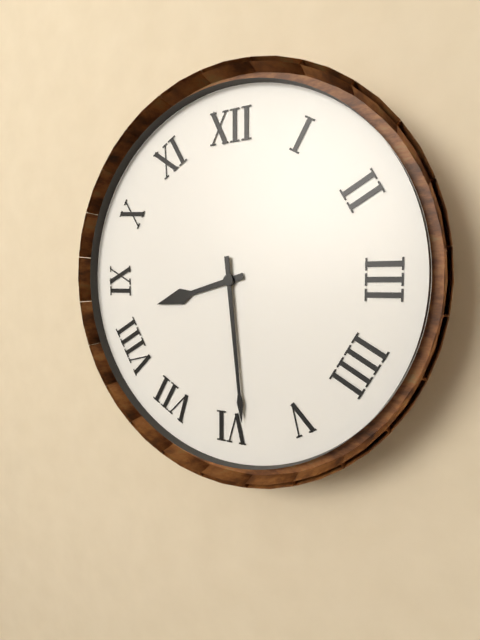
8:29
